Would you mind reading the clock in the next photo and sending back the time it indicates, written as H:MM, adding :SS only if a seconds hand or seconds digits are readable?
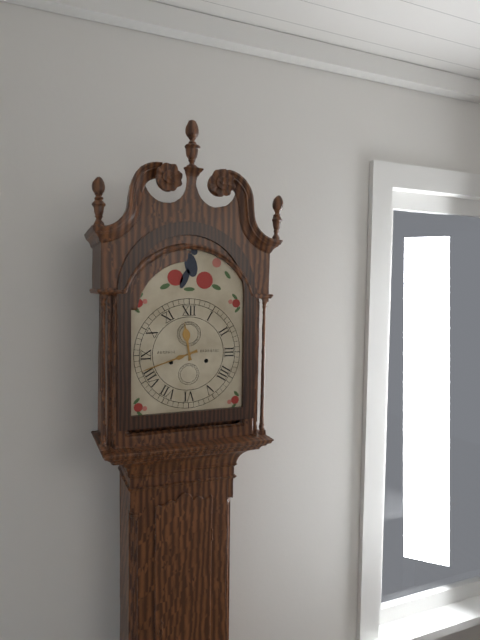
11:42
